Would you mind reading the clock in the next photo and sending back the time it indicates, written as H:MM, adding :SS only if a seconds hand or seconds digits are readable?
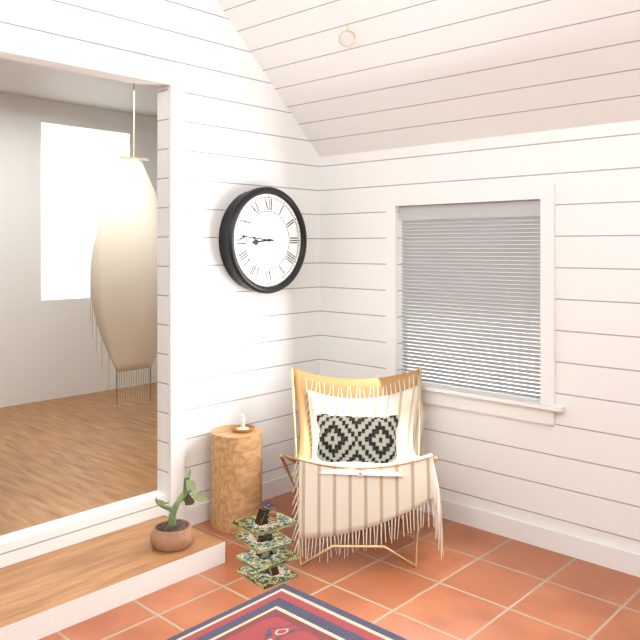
8:46
